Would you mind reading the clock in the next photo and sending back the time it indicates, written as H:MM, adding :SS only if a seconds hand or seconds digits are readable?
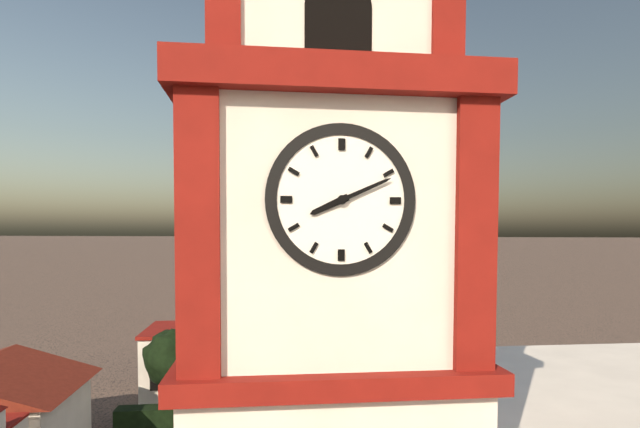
8:11
